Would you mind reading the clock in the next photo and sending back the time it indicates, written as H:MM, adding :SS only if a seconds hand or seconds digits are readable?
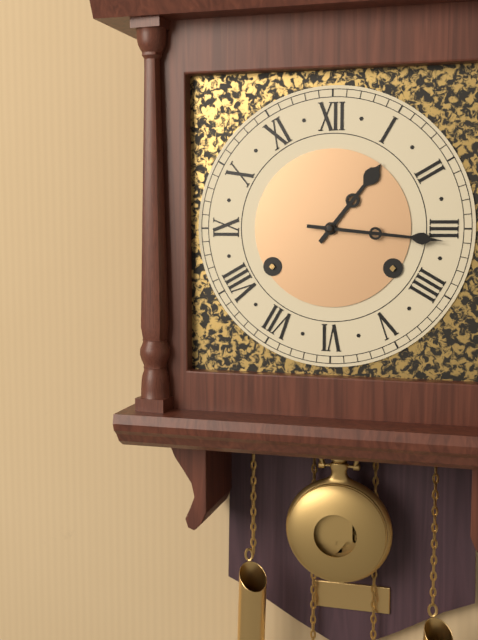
1:16
